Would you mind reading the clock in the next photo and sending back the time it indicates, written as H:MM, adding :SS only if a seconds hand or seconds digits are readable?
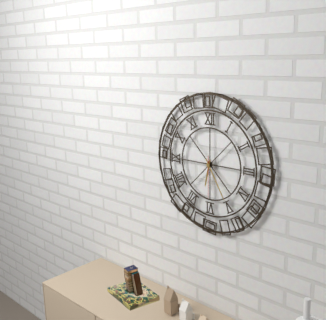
6:25
